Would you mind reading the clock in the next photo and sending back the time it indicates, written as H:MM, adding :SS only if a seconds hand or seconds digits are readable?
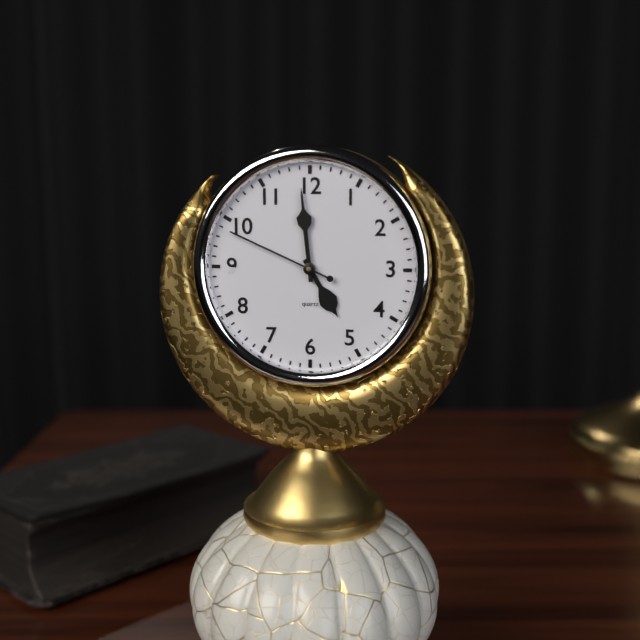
4:59:49
